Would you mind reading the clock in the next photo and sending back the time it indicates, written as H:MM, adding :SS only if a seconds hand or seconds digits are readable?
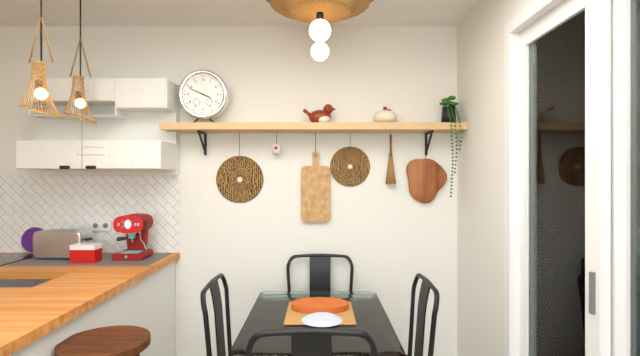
3:49
